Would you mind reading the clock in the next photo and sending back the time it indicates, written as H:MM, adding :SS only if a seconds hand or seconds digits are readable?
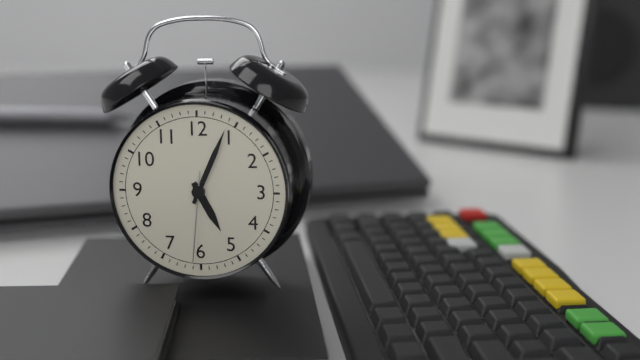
5:04:31
